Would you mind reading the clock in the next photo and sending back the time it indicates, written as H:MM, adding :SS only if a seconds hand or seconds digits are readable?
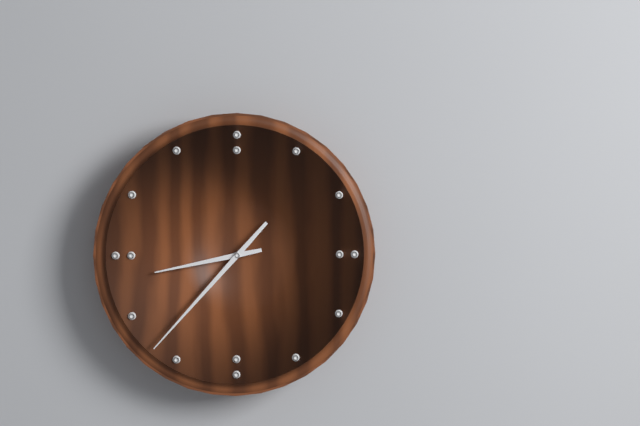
8:37
